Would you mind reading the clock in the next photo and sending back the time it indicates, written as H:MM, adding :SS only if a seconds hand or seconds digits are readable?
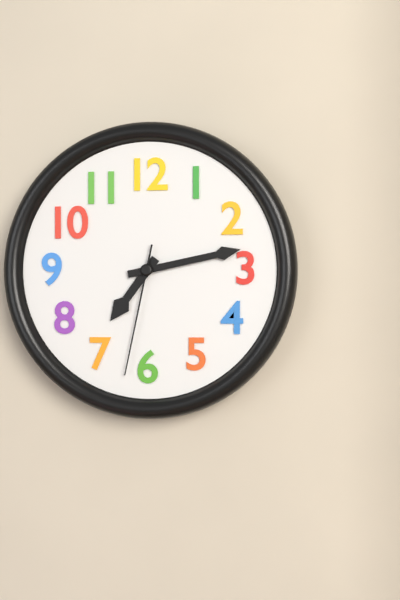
7:13:32
